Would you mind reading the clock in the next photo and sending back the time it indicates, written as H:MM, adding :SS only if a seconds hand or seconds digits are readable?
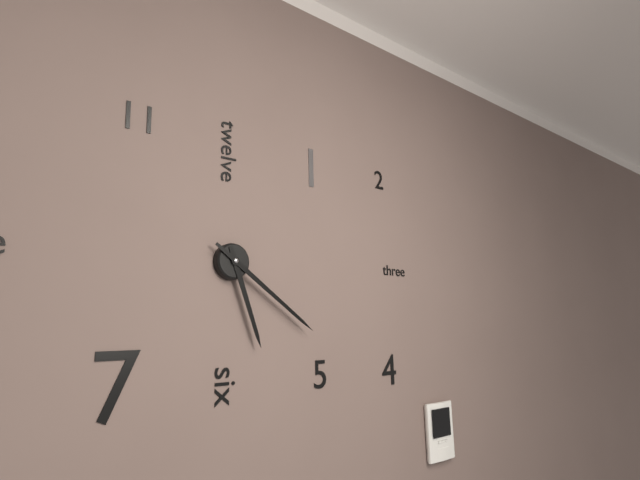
5:21
